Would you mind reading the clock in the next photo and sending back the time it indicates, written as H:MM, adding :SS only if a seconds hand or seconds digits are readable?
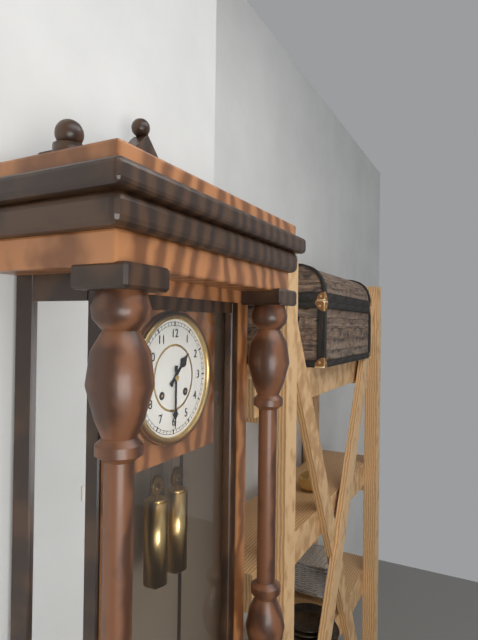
1:30
